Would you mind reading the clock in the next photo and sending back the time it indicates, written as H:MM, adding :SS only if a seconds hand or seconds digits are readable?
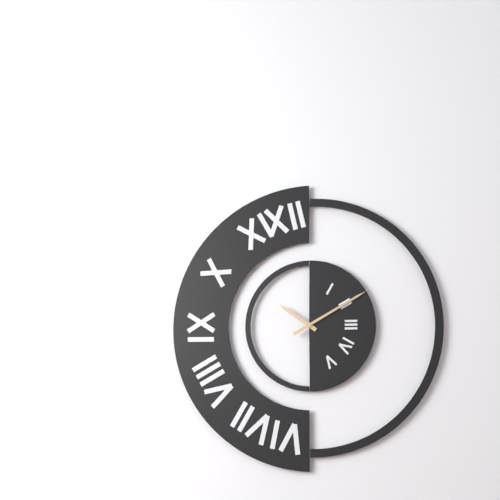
10:10
